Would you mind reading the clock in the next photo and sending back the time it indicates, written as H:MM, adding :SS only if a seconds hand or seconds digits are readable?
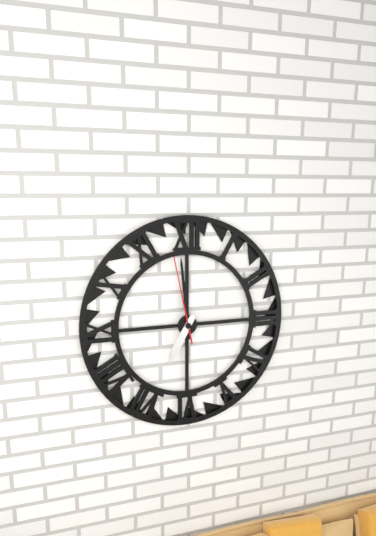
6:59:58
